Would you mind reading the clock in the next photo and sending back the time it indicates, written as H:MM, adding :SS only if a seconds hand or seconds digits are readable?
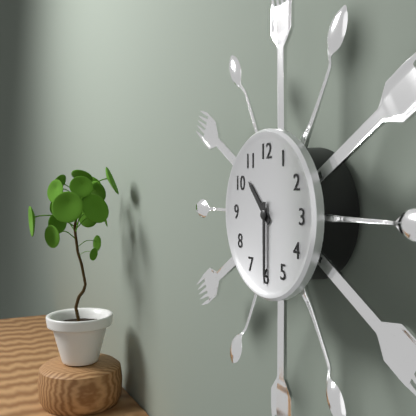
10:30
